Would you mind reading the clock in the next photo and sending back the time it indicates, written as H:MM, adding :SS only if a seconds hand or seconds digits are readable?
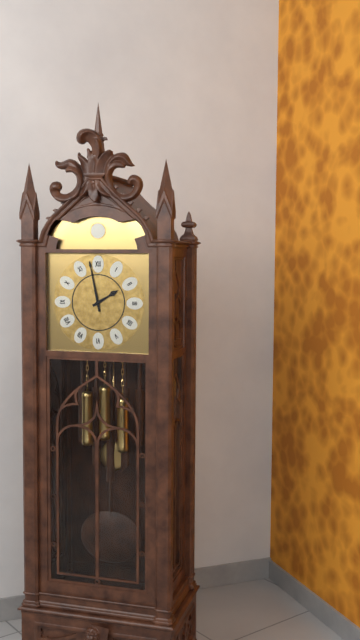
1:58
